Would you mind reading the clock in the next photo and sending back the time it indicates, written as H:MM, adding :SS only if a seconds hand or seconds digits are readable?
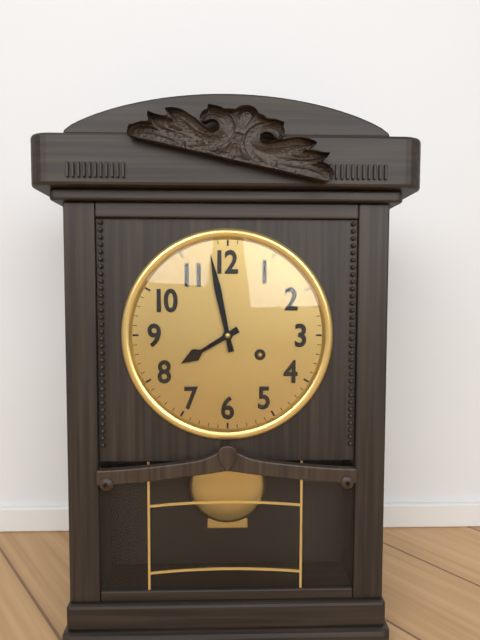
7:58
